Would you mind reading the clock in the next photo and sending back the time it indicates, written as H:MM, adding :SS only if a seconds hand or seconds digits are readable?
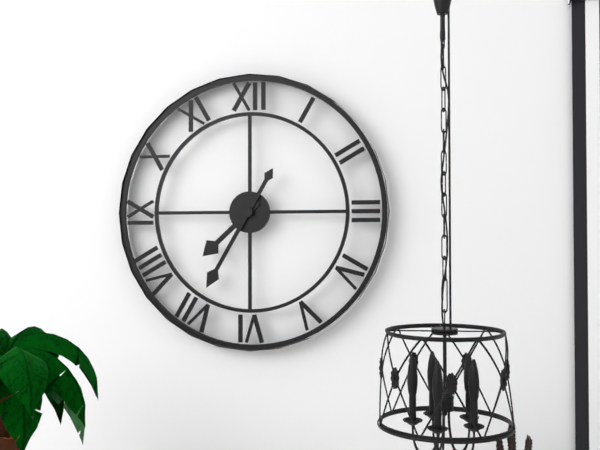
7:35
